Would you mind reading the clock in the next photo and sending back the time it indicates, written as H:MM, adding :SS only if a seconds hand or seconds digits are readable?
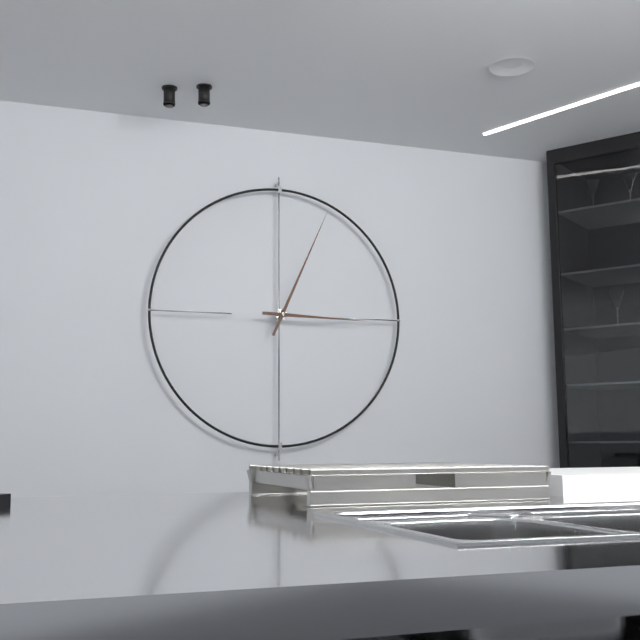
3:04
